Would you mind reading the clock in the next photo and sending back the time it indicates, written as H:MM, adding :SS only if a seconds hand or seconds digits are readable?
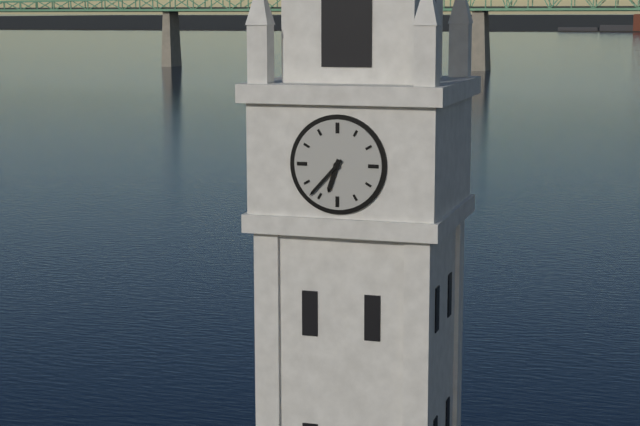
6:37
